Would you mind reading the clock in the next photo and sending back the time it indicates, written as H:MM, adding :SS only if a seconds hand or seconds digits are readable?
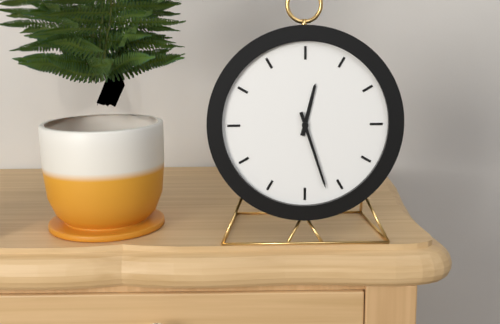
12:27
